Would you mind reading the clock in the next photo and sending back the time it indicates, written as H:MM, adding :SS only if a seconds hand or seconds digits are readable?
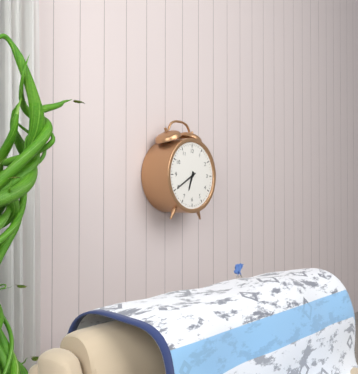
6:40
